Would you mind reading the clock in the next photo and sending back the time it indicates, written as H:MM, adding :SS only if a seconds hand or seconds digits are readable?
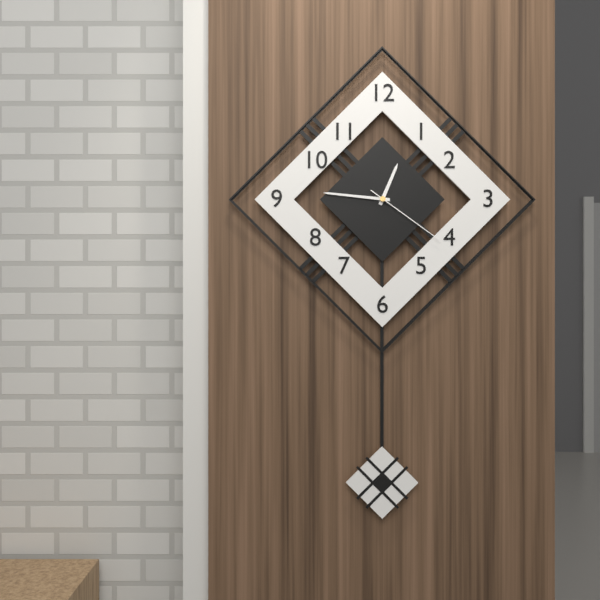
12:46:21
